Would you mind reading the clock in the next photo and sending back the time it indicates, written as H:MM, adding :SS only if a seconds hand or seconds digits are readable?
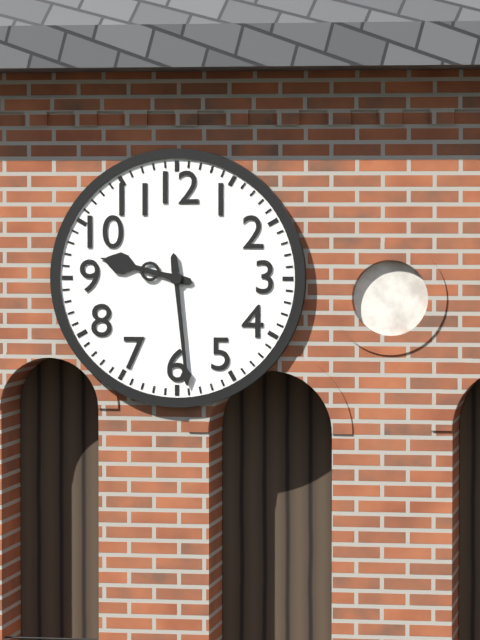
9:29
